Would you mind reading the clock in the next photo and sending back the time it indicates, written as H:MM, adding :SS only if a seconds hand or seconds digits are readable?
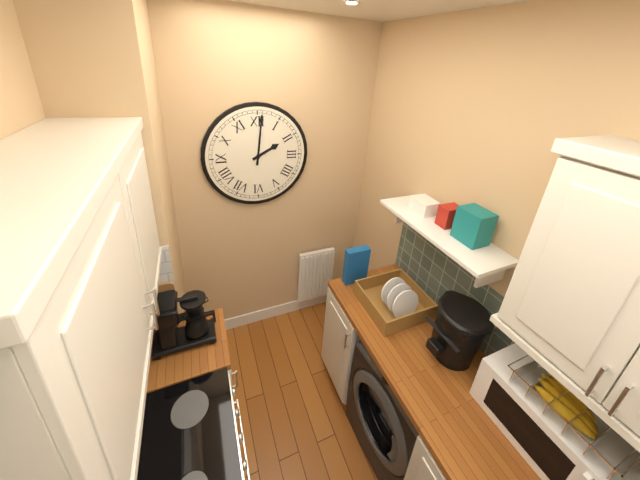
2:01
